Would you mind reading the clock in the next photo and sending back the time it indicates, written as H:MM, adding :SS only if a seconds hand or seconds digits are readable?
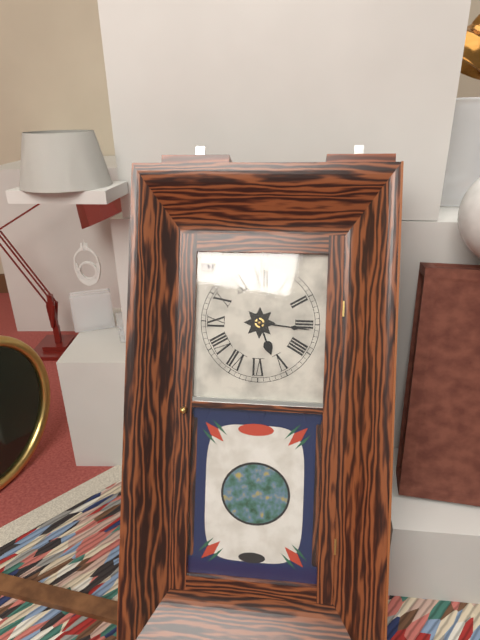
5:16
